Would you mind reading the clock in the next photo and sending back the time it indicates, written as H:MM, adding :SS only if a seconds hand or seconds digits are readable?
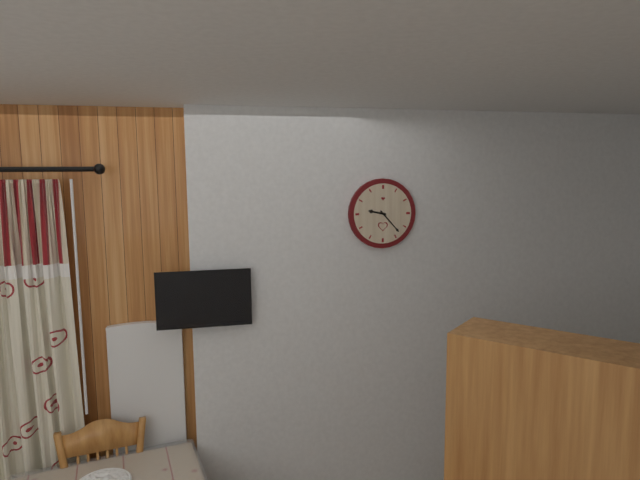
9:23
